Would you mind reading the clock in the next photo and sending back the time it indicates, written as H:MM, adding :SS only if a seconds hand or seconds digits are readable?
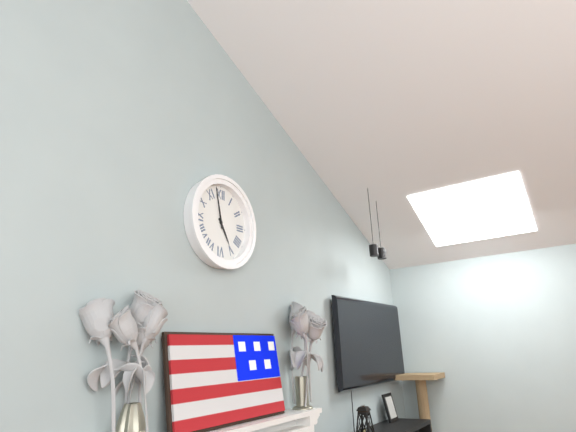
4:58
